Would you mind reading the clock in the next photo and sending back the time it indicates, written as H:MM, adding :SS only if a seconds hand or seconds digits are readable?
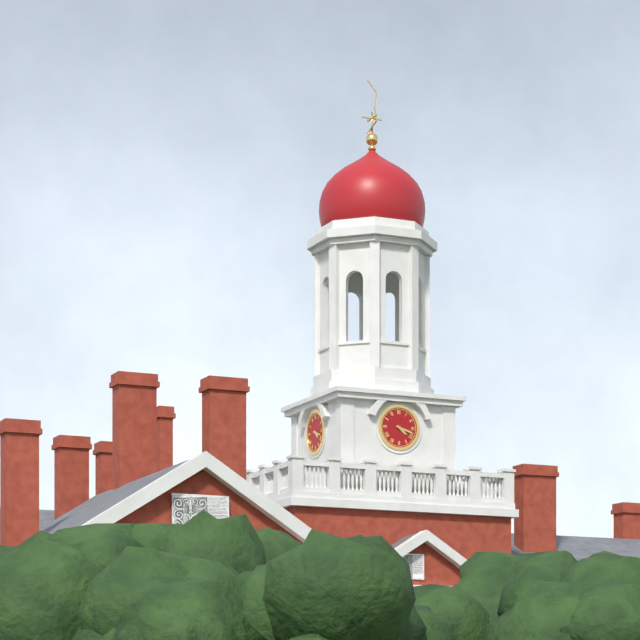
4:18
